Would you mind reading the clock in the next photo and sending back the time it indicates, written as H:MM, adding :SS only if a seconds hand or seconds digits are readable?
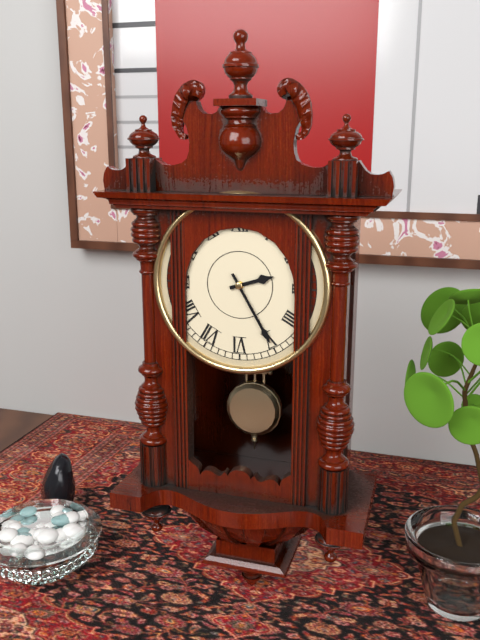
2:25
